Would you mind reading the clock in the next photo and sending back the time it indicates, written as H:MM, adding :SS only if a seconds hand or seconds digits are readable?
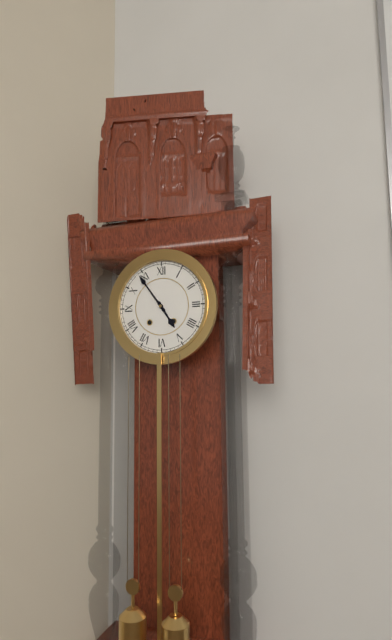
4:54
